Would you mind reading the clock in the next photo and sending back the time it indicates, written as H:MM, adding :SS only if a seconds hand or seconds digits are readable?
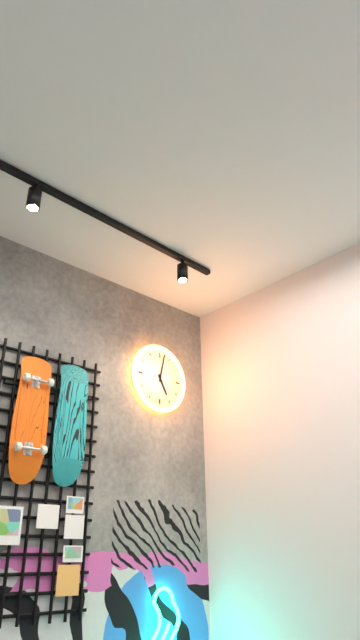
5:02
